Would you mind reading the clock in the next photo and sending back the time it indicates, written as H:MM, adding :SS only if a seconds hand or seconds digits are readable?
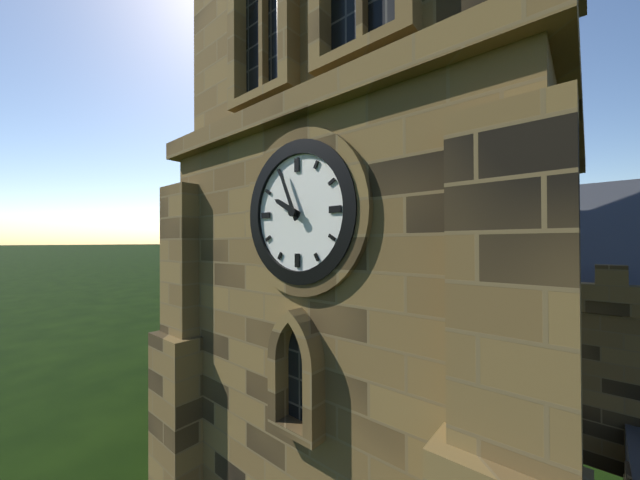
9:56
